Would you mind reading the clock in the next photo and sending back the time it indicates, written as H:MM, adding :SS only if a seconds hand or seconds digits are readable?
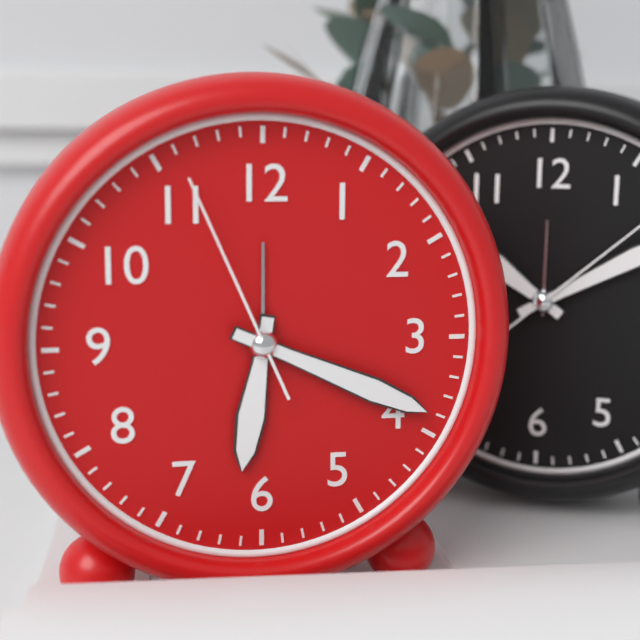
6:19:56
